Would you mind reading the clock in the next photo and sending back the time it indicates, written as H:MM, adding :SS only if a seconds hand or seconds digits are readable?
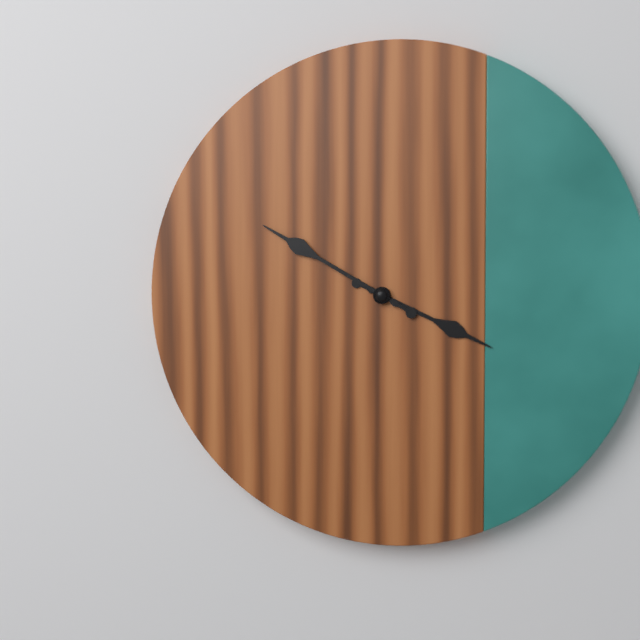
3:50
